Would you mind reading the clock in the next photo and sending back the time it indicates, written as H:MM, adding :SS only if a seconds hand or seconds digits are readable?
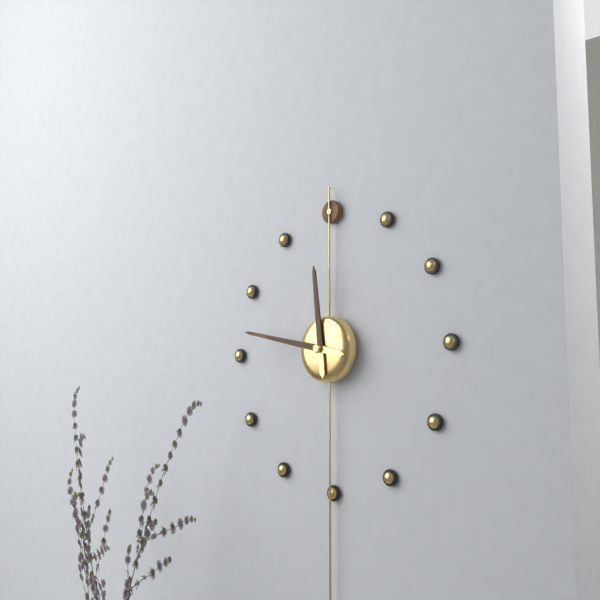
11:47
